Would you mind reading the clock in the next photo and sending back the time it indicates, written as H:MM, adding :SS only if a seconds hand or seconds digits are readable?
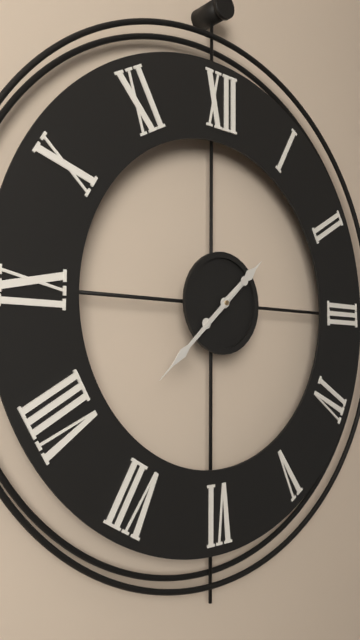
1:38
